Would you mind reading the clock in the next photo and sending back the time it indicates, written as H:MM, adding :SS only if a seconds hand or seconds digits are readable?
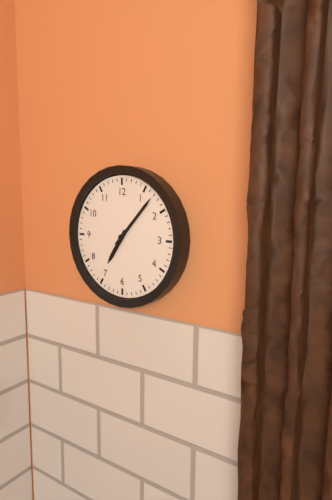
7:07
